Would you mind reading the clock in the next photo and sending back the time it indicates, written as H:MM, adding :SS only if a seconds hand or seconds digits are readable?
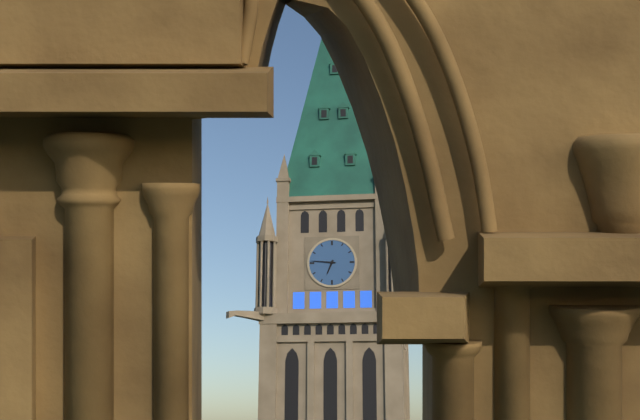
6:46
